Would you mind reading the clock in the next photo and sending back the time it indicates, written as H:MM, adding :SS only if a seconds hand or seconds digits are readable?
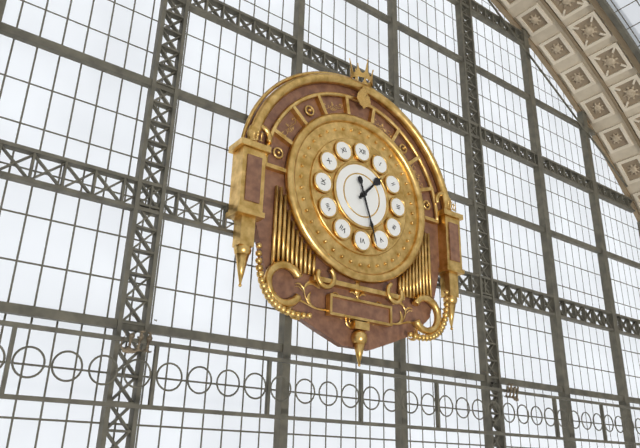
1:27
